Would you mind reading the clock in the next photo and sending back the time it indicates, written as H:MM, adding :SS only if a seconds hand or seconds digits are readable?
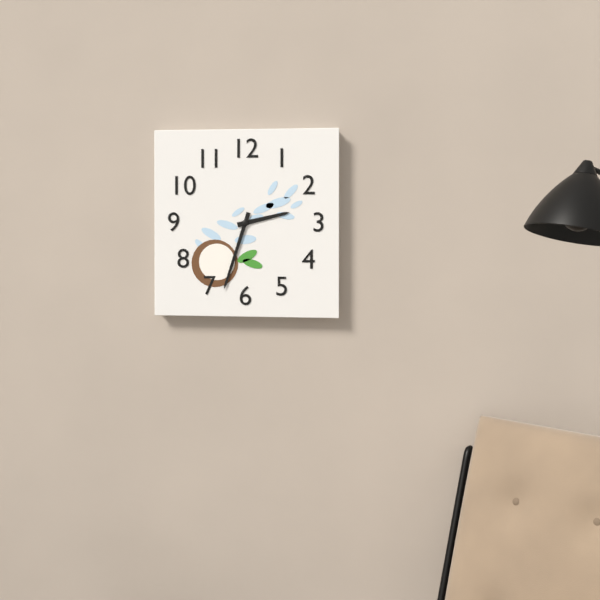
2:33
